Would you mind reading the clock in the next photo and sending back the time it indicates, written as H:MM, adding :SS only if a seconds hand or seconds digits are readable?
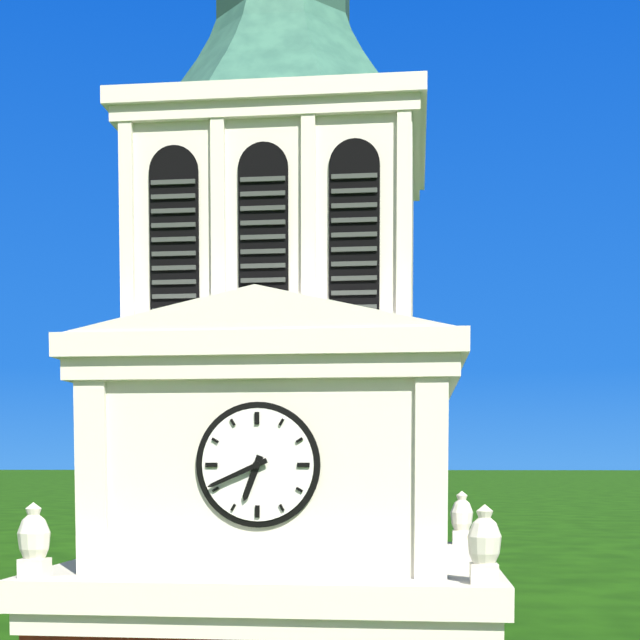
6:41
